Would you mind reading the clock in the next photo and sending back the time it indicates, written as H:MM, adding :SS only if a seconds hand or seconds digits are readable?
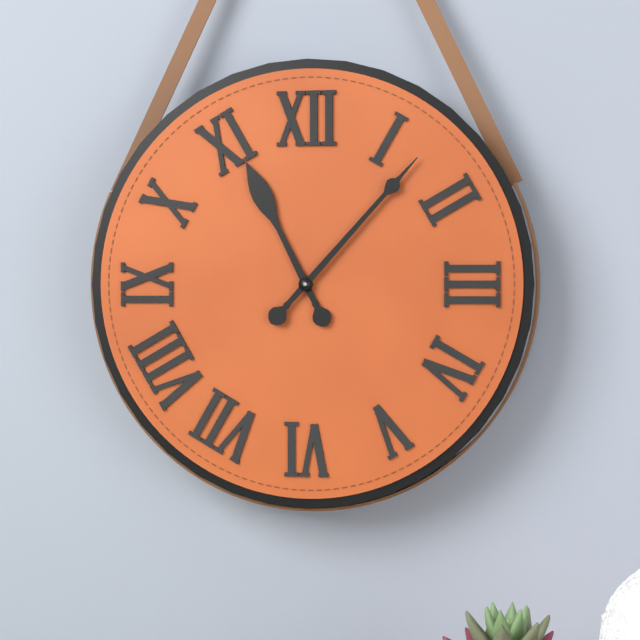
11:07
